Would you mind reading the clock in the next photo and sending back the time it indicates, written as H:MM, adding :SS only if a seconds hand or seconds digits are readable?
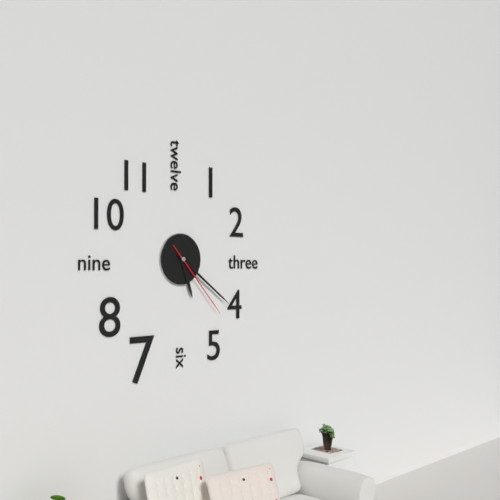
5:21:23
